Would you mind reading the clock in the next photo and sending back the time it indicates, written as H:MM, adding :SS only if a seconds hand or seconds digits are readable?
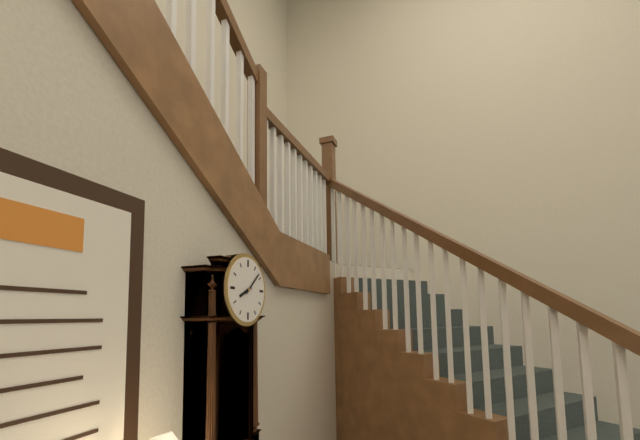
8:08
